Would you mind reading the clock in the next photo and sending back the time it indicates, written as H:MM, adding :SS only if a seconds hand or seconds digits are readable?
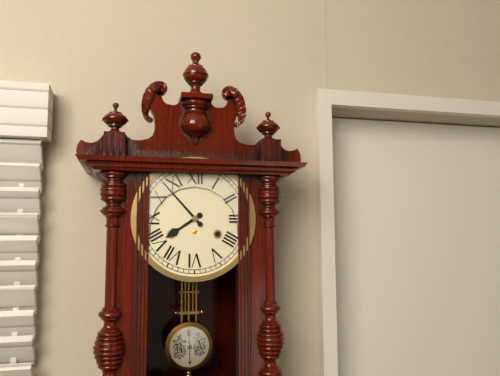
7:53
